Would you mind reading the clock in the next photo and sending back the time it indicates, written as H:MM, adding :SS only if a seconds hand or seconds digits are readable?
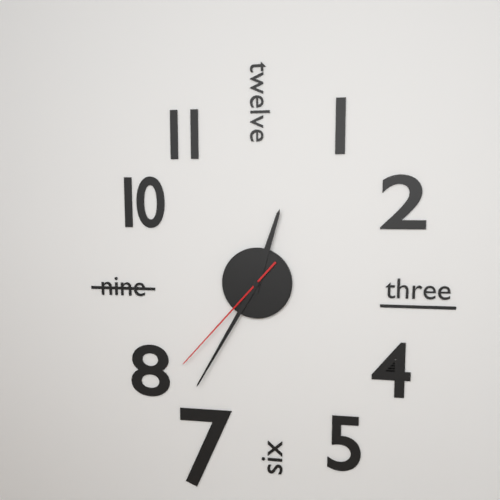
12:35:37
